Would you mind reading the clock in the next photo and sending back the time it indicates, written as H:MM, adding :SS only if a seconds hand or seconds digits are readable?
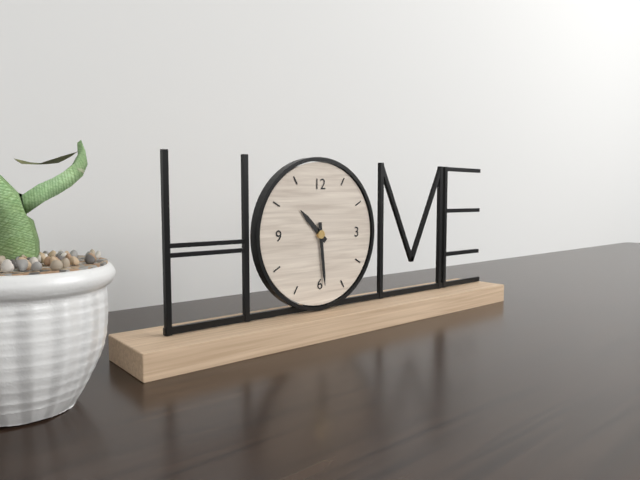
10:29
